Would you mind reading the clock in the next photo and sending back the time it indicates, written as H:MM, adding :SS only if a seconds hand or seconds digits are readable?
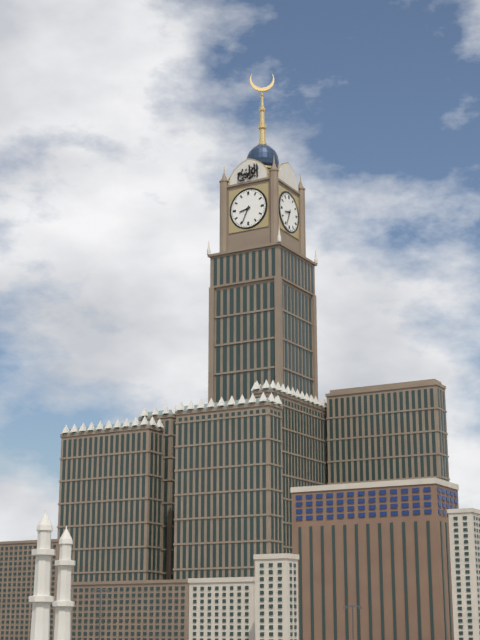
8:34
